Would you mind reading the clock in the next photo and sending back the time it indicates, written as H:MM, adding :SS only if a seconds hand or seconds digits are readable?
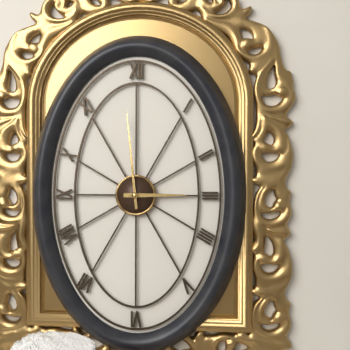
2:59
